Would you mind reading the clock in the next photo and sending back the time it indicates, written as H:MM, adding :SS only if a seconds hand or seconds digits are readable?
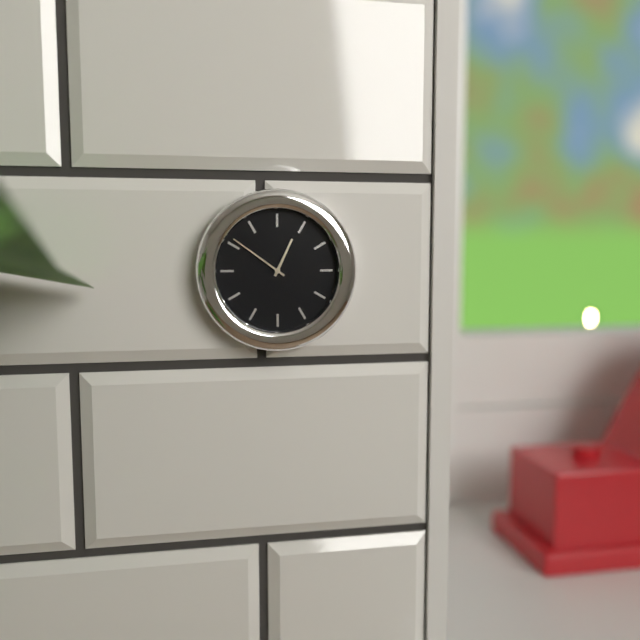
12:51
